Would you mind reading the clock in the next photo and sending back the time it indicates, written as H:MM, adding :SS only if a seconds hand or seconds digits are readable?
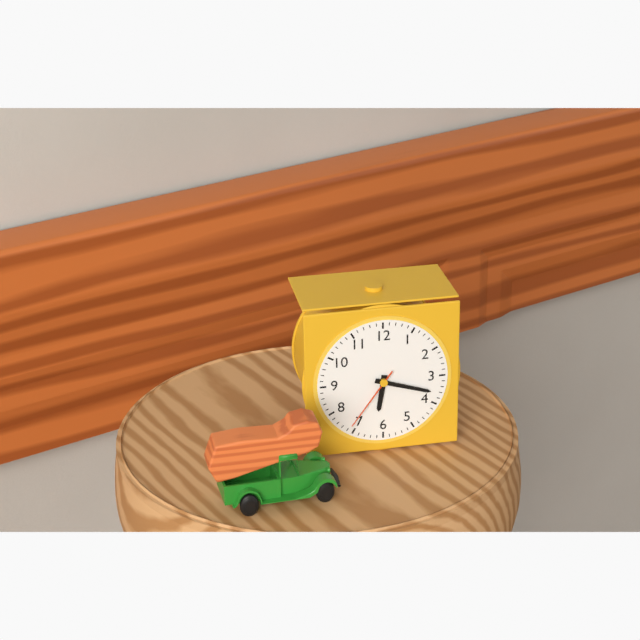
6:18:36
